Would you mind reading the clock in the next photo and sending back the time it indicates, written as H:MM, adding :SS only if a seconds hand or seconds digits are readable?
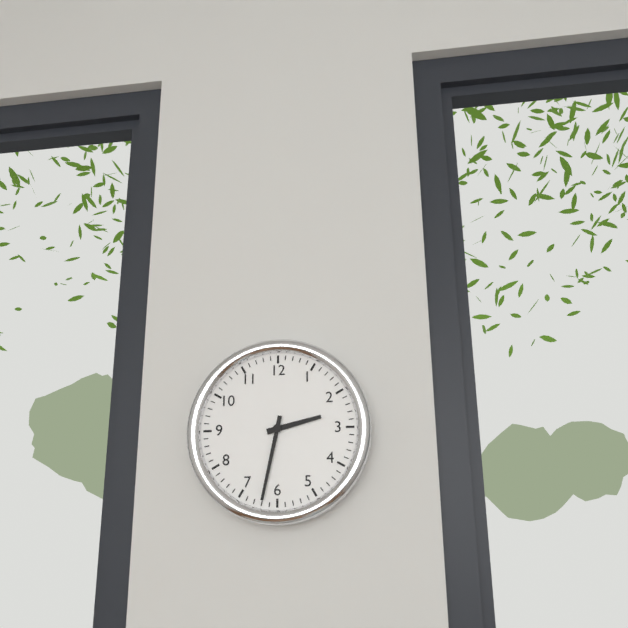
2:32
